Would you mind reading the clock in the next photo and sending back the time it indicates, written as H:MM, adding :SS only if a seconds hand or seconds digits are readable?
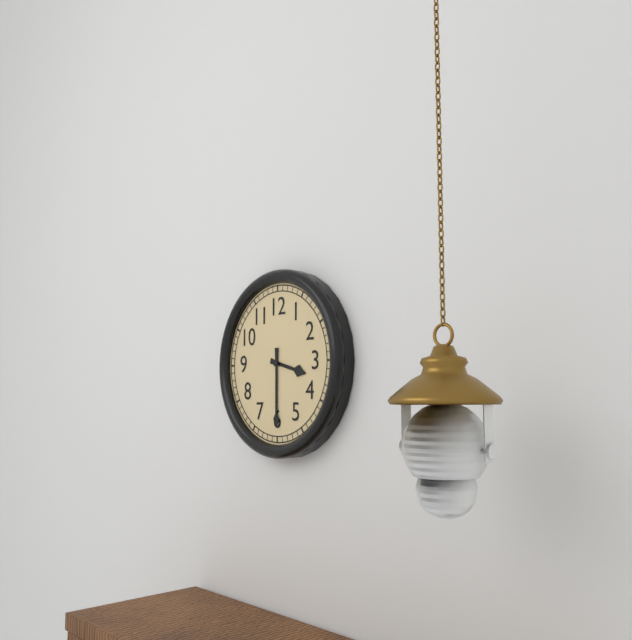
3:30
